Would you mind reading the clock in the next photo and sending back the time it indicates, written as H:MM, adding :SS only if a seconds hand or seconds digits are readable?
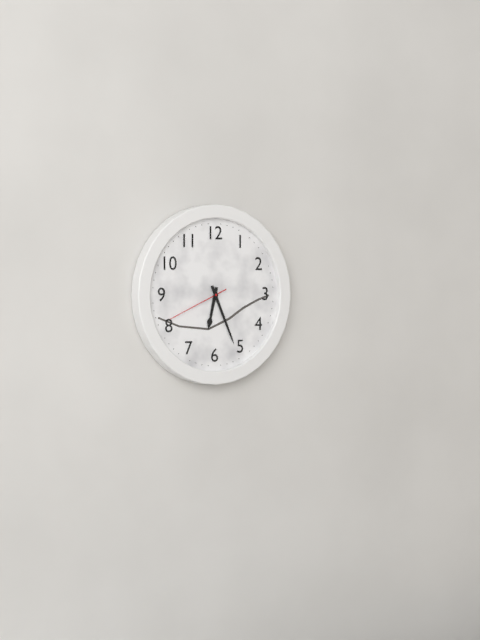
6:26:41
